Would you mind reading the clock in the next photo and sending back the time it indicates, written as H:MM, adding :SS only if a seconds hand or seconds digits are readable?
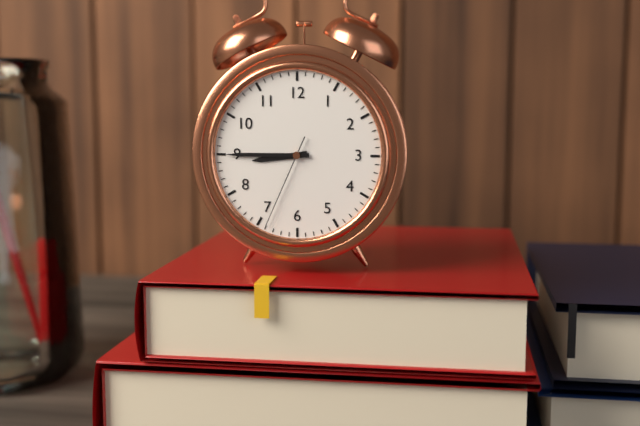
8:45:34
